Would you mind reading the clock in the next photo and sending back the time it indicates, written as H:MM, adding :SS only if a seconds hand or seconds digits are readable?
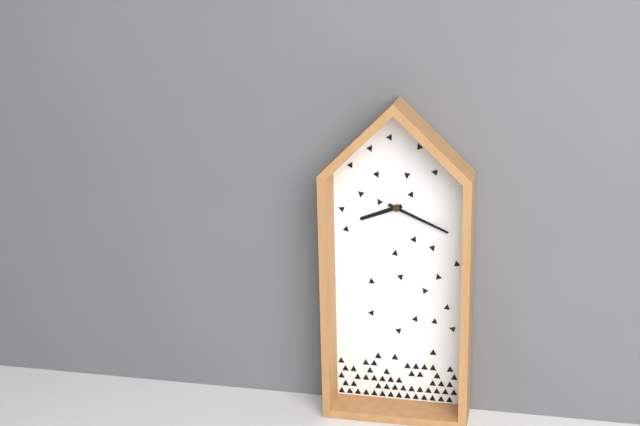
8:19
